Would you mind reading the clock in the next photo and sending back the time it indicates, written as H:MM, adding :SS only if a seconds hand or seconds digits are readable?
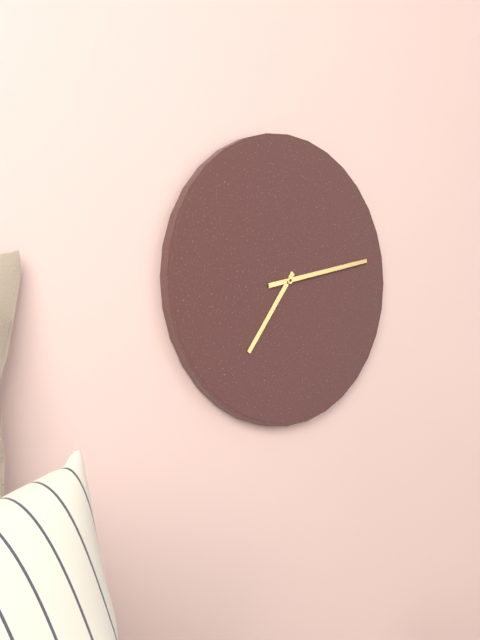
7:13
